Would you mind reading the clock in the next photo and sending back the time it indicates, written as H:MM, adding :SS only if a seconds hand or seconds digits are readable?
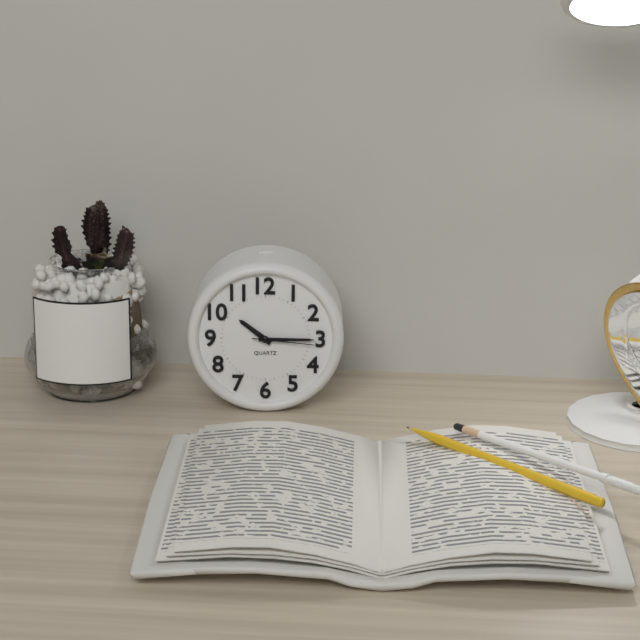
10:15:16
